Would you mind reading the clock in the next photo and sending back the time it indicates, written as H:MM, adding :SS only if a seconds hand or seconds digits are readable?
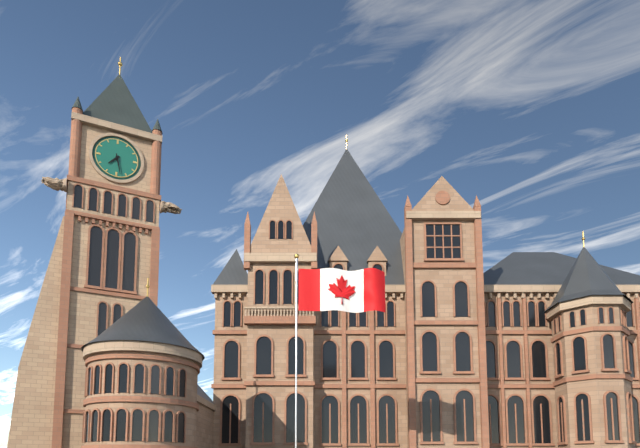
7:28
